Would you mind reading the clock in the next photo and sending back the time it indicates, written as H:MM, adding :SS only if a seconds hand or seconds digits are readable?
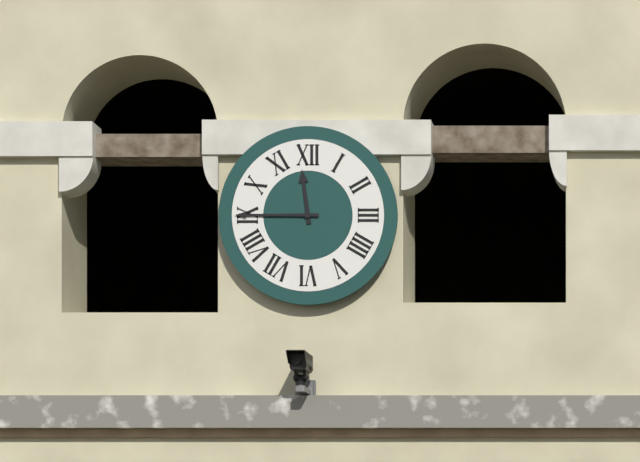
11:45
